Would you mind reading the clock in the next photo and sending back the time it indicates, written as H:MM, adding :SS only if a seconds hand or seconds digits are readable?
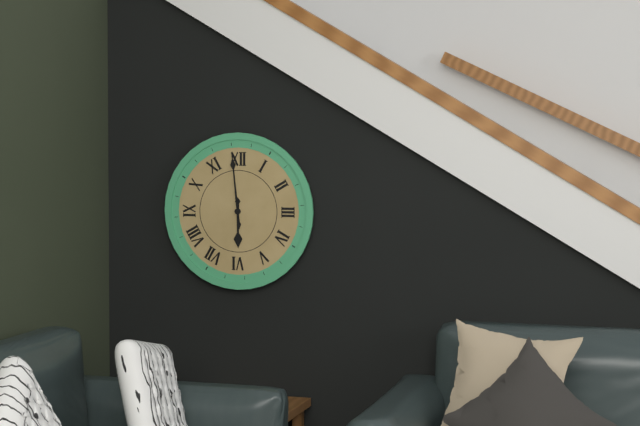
5:59
